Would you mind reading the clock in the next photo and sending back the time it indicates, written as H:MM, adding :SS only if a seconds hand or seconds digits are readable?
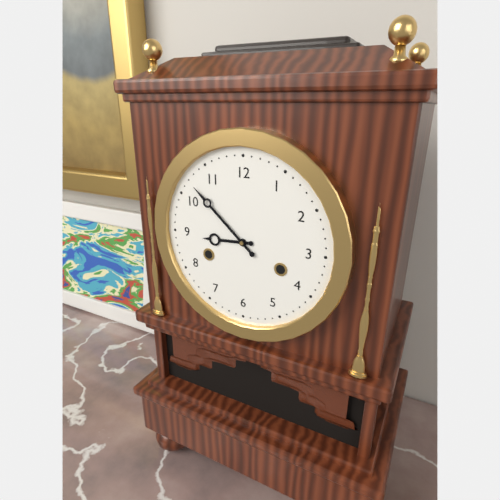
8:52
